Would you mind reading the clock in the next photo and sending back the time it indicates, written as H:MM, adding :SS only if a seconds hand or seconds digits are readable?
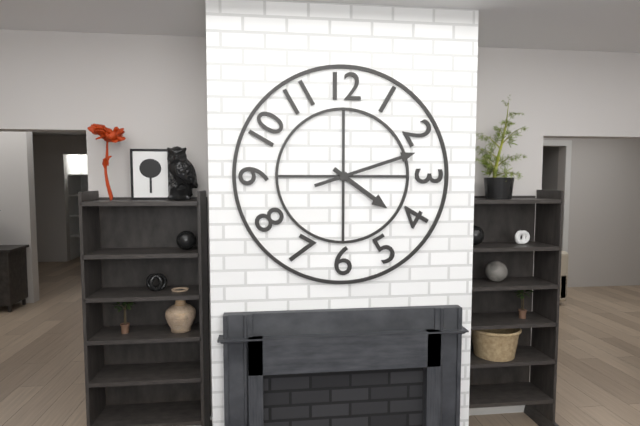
4:12
